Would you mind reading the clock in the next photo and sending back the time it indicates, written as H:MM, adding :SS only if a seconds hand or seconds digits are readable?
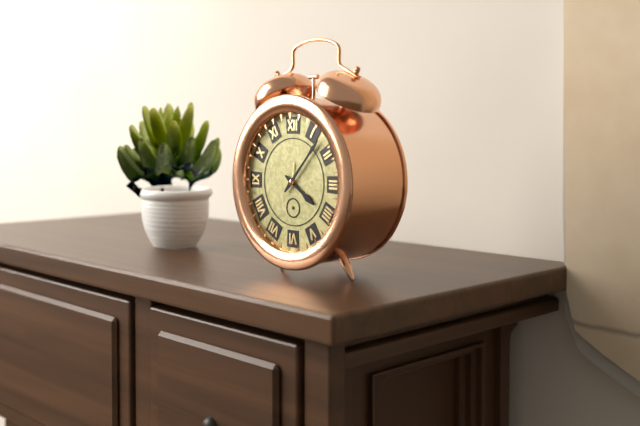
4:07
